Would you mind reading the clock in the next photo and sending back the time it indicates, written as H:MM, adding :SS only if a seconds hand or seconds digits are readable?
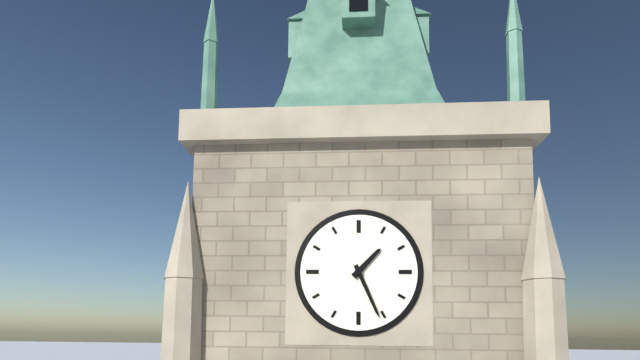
1:26
